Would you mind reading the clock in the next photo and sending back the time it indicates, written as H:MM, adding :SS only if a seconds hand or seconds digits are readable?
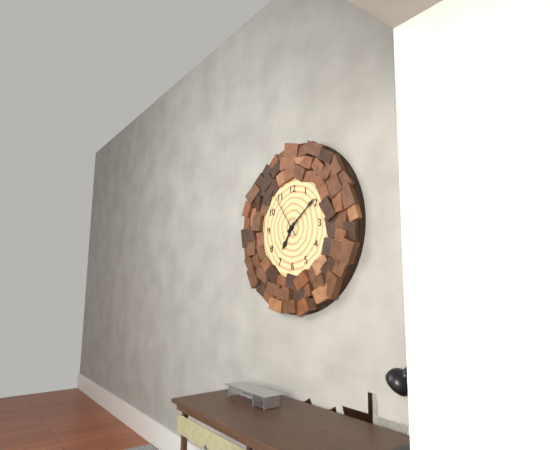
7:09
